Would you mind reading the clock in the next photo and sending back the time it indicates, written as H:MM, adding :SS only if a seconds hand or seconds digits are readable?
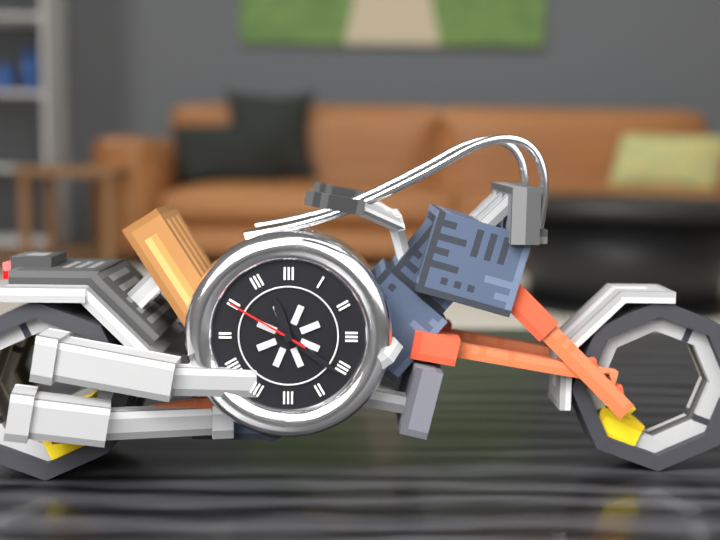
11:21:50
